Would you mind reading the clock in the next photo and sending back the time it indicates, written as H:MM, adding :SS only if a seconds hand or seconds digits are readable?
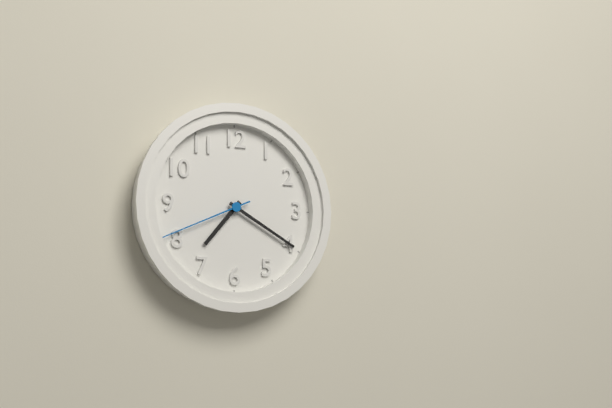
7:20:41
